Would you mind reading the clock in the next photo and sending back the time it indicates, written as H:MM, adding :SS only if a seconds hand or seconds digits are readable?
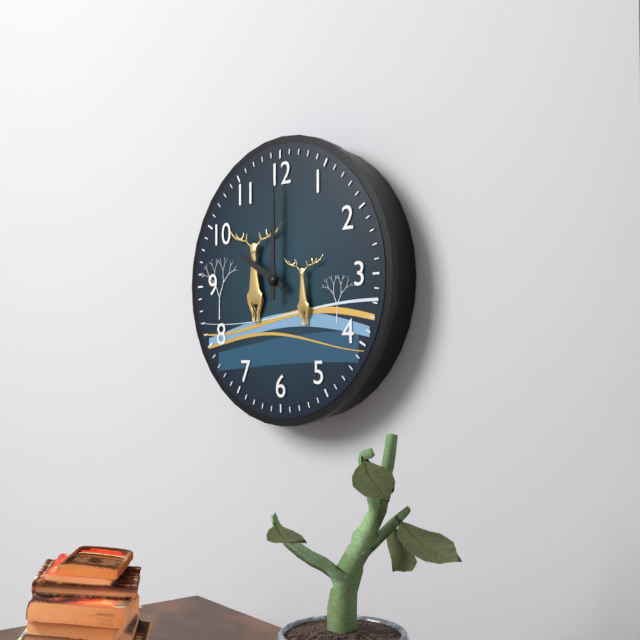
10:00
